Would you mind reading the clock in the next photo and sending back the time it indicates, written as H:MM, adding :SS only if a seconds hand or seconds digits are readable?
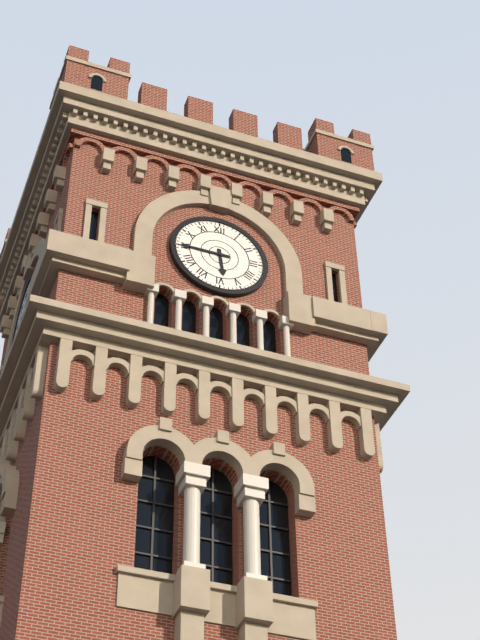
5:45
